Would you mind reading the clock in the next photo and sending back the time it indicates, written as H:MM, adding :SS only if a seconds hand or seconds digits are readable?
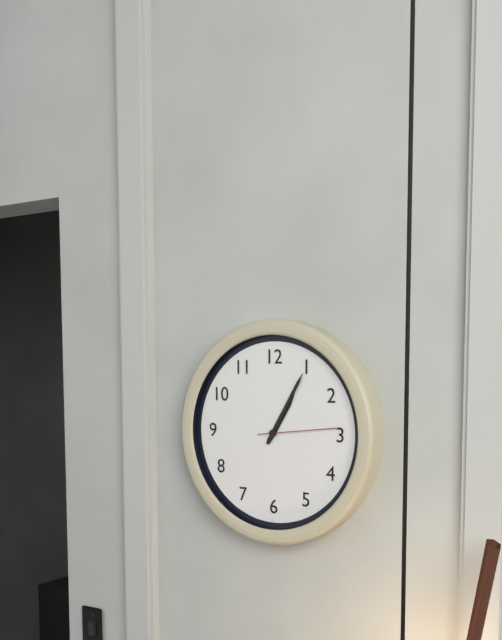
1:05:14
